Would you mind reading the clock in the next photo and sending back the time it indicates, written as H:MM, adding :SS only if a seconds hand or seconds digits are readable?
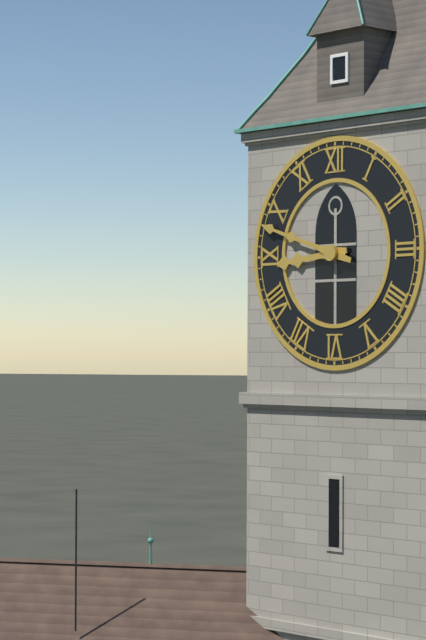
8:48
